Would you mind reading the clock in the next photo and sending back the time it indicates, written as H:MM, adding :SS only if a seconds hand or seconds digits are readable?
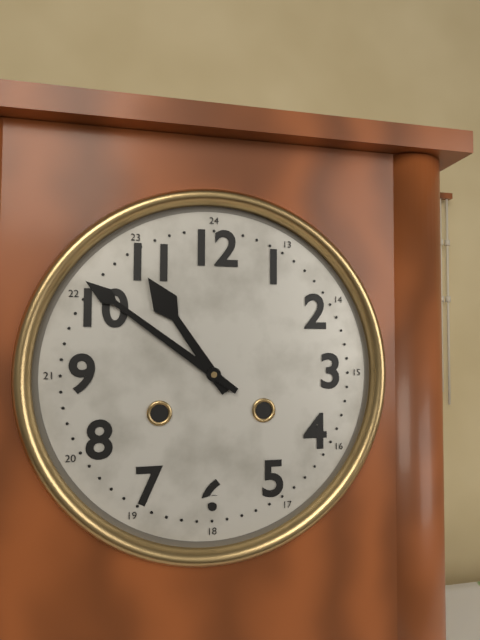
10:51
